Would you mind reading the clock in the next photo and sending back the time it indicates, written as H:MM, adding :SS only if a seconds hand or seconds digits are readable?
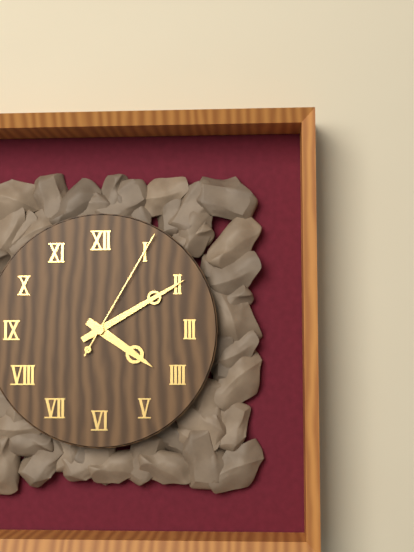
4:10:05
